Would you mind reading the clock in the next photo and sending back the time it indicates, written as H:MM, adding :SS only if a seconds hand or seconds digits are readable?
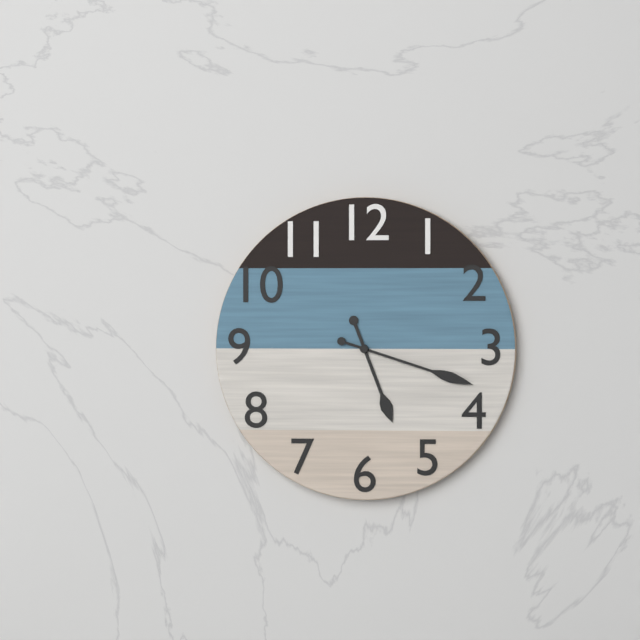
5:18
